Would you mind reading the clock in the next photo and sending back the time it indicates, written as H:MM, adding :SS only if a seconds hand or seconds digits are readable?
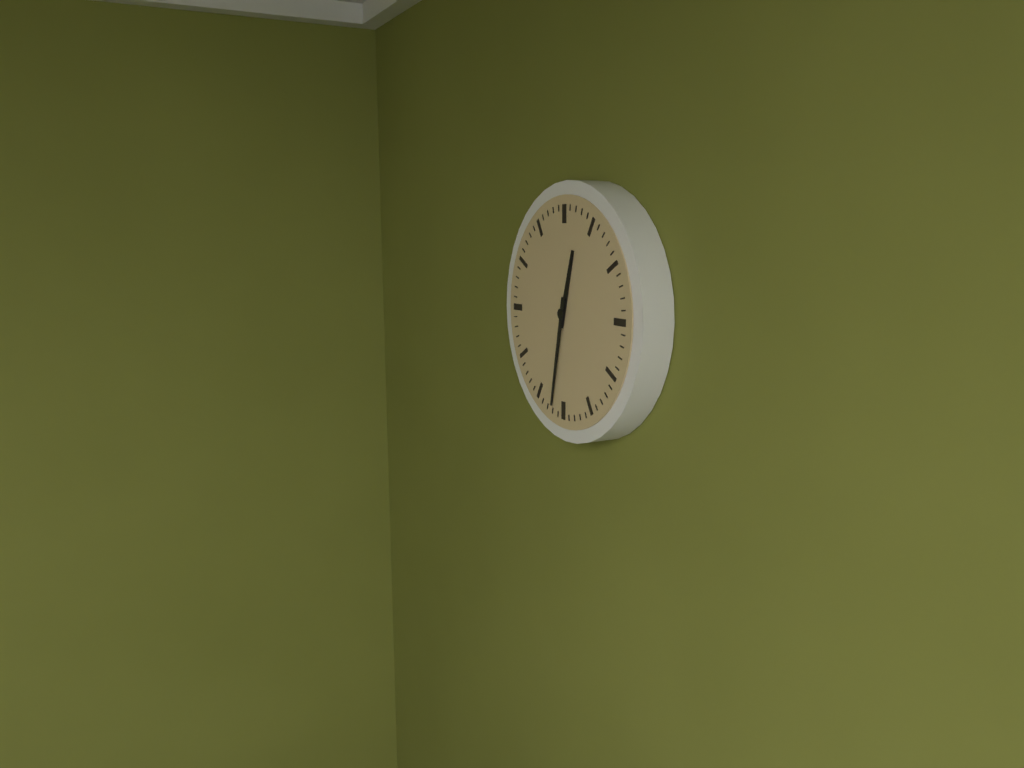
12:32
